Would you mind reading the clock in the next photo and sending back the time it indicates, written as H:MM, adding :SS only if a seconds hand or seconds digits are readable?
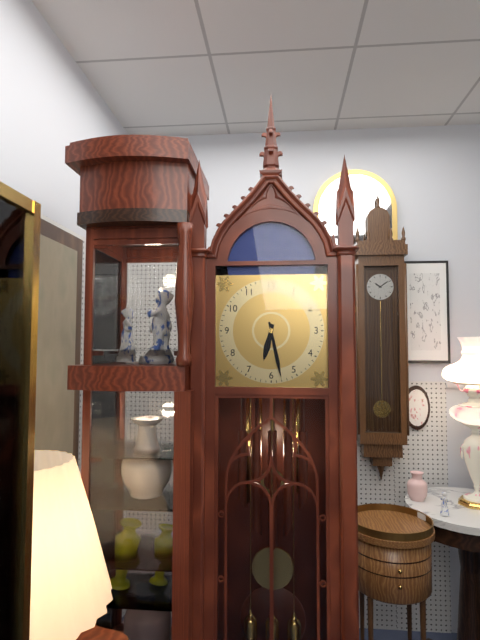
6:28
